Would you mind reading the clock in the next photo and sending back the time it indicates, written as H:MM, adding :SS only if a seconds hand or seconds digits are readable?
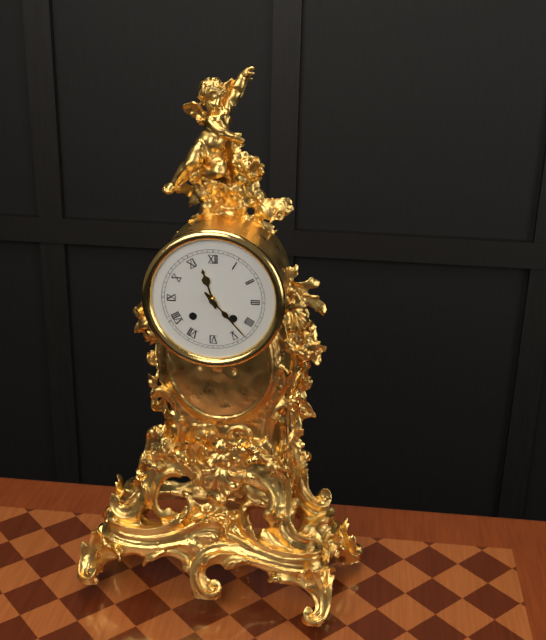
11:23
